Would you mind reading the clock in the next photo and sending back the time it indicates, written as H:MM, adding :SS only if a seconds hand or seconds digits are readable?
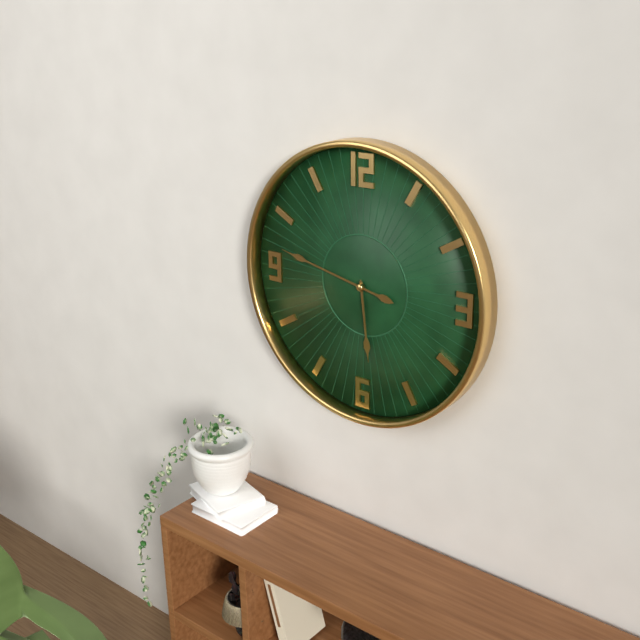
5:47
